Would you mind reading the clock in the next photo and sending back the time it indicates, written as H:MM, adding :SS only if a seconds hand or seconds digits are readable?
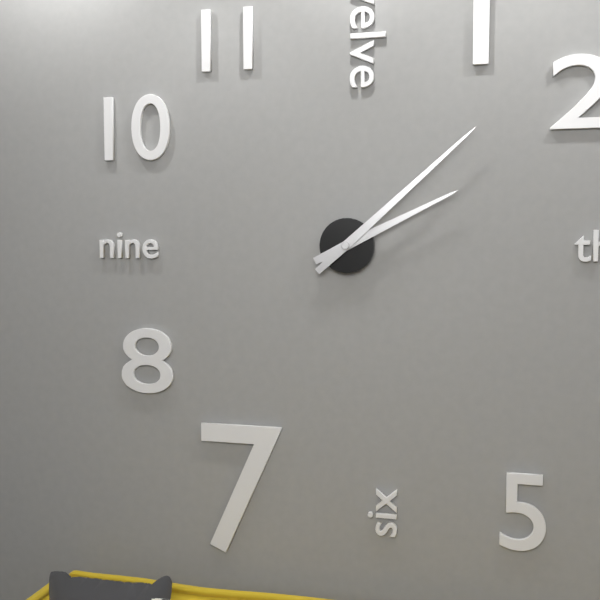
2:08
